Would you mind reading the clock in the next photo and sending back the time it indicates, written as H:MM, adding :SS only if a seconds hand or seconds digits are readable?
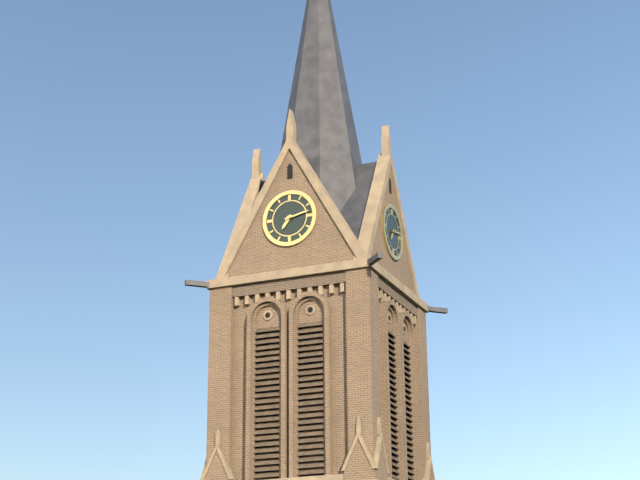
7:13
